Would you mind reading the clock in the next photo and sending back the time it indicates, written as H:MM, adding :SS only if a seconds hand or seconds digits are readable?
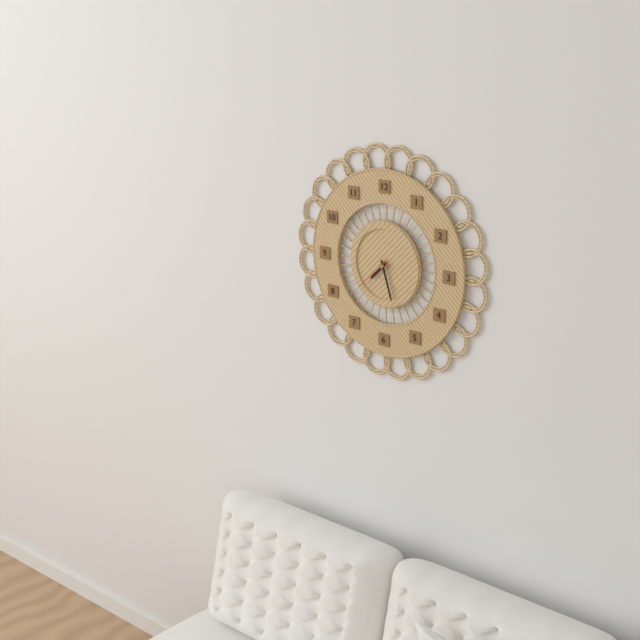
7:27
